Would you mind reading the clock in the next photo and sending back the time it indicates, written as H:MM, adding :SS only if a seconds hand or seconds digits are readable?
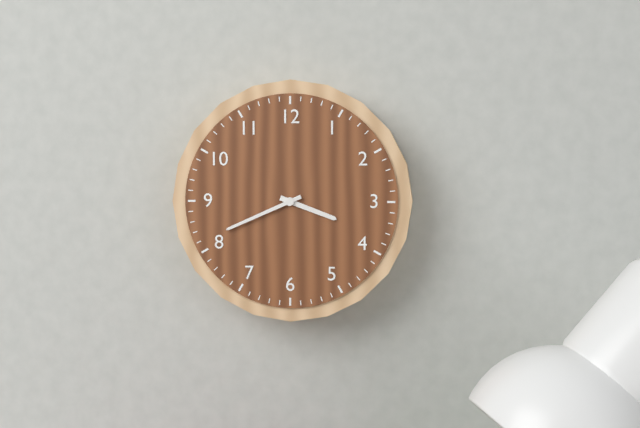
3:41
